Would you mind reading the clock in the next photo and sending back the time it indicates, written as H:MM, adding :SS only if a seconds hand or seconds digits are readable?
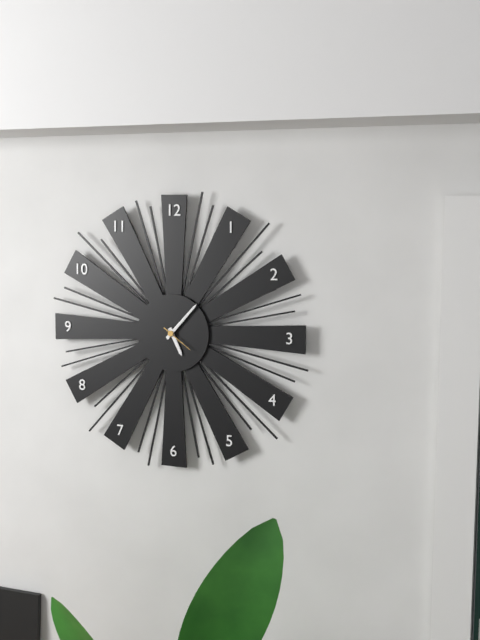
5:07
